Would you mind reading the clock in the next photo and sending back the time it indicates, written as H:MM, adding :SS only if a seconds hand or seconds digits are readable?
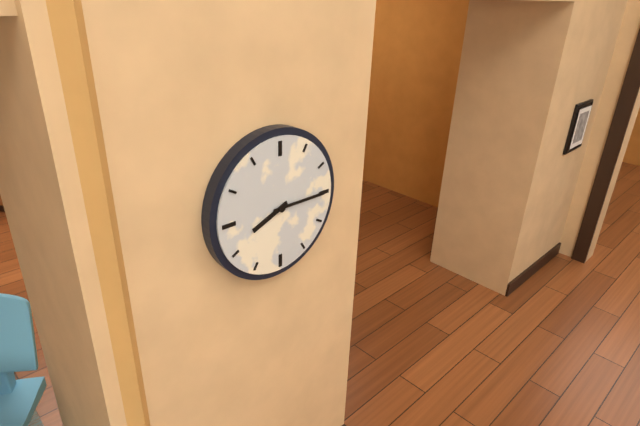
8:15
